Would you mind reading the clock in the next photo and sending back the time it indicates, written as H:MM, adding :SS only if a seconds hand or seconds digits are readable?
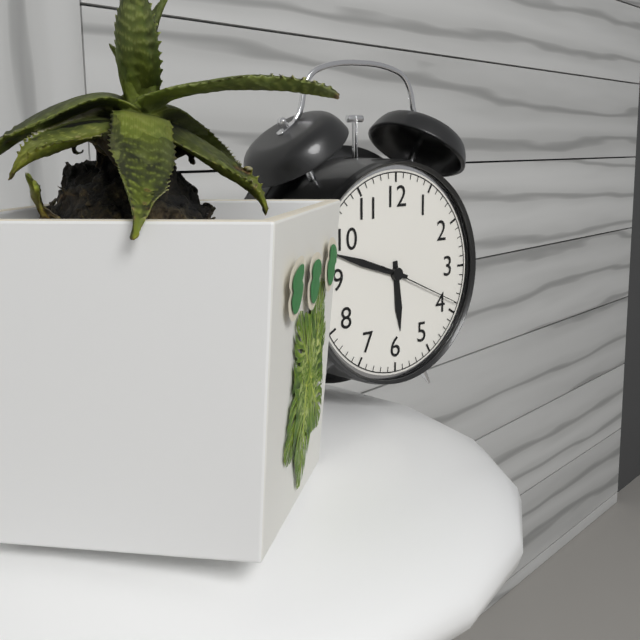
5:48:19
